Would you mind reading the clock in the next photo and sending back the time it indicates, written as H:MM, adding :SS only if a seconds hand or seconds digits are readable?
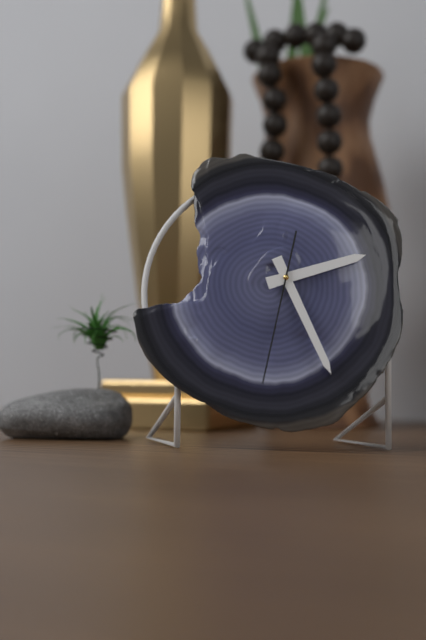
2:26:32
